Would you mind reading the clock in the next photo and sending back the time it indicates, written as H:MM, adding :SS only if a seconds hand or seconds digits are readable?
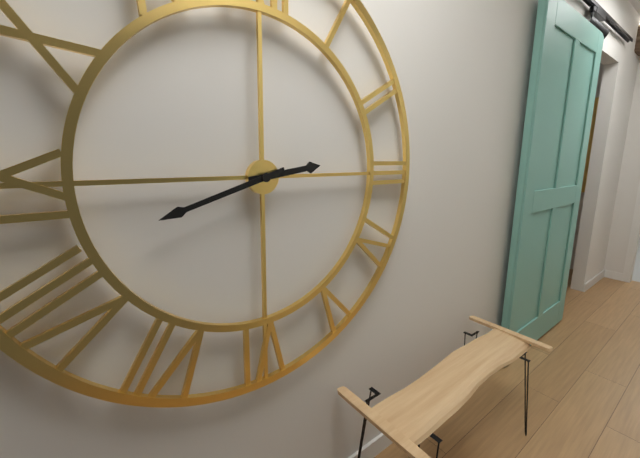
2:42
